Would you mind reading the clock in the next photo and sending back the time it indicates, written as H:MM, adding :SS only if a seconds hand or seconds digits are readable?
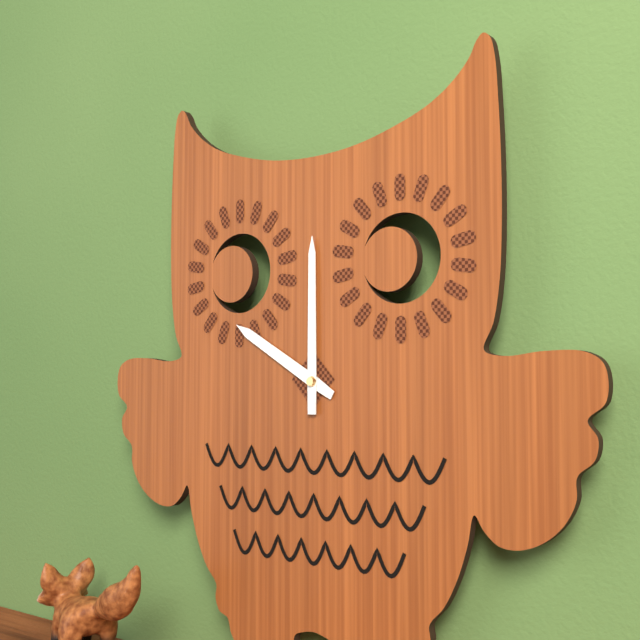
10:00
